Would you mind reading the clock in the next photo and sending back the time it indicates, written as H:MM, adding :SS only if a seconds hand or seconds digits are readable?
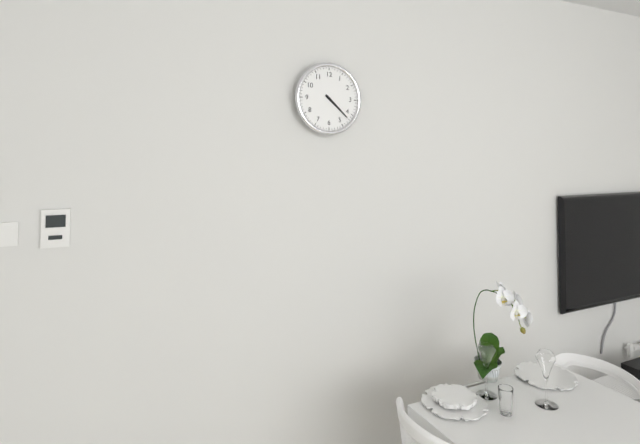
4:22
